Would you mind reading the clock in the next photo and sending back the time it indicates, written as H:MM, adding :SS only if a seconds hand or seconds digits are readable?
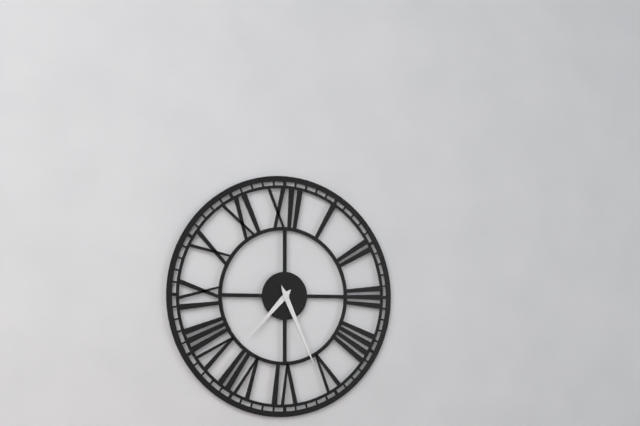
7:26
